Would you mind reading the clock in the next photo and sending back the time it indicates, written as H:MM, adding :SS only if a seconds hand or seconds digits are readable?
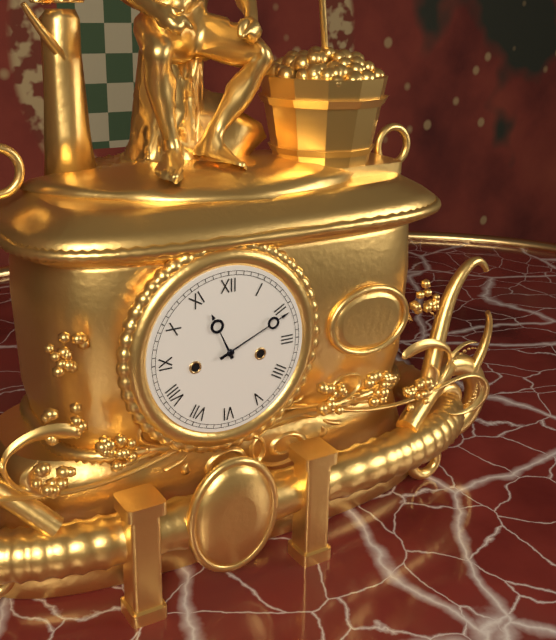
11:11
